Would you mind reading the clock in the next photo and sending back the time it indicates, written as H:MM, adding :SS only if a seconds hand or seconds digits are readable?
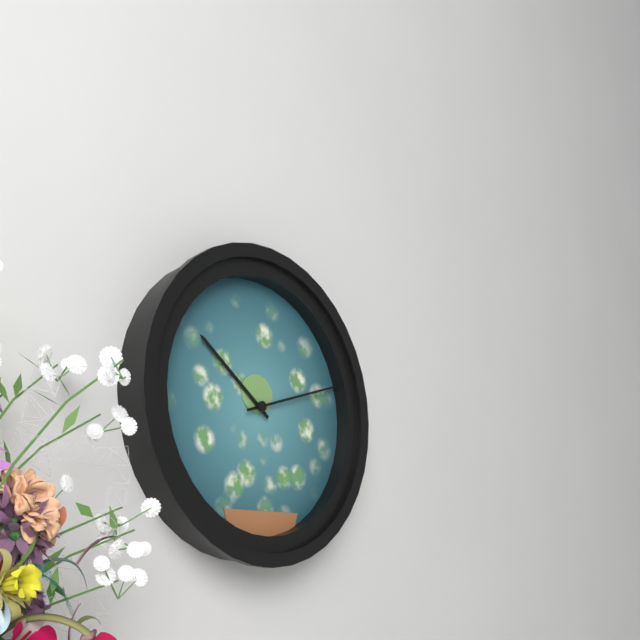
10:12
